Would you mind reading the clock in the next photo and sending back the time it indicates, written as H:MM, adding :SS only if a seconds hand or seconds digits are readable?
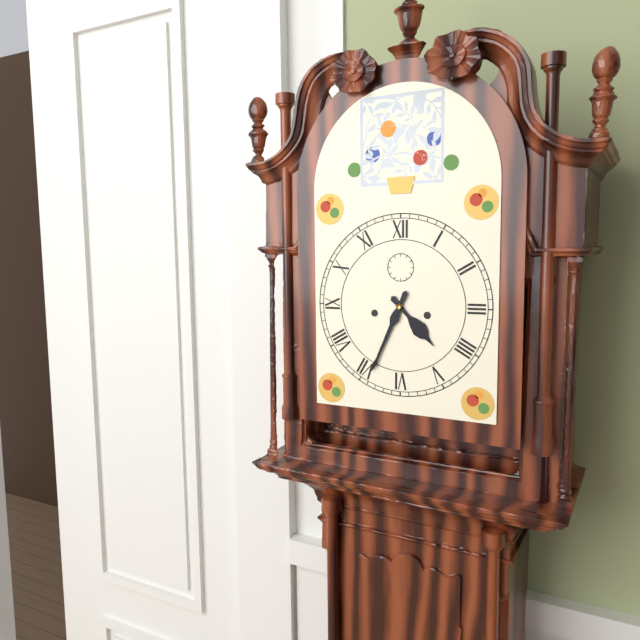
4:34
